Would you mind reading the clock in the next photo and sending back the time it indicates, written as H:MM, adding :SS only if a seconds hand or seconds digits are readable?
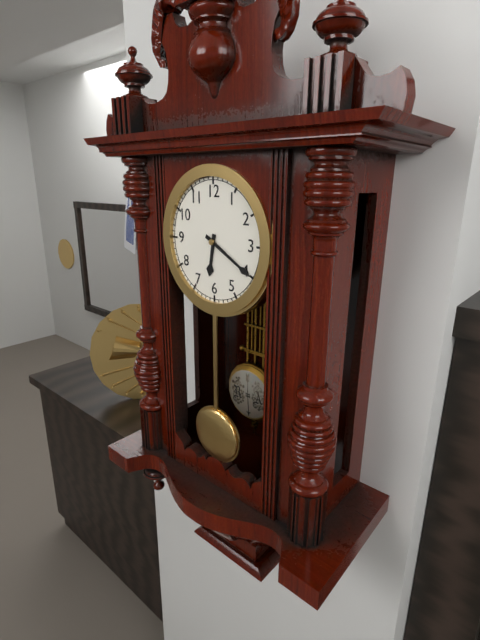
6:20
